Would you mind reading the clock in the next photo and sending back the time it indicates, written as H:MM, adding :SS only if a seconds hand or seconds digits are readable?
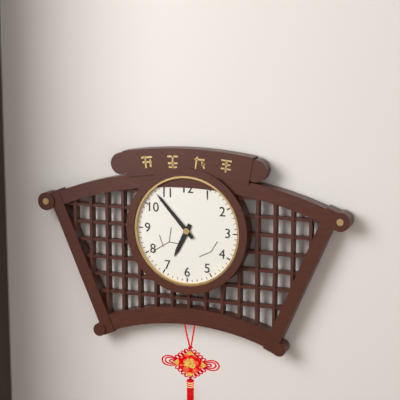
6:53
